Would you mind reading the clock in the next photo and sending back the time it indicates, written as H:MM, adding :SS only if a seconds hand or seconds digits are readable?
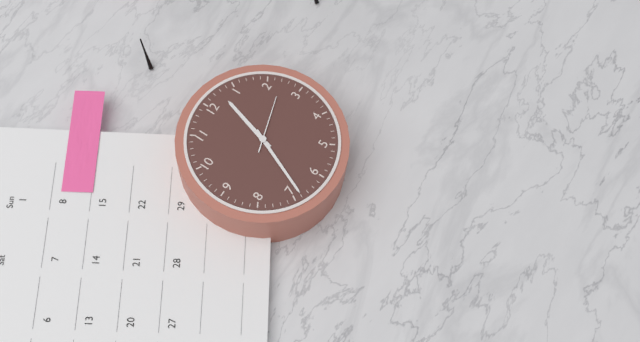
12:34:12
